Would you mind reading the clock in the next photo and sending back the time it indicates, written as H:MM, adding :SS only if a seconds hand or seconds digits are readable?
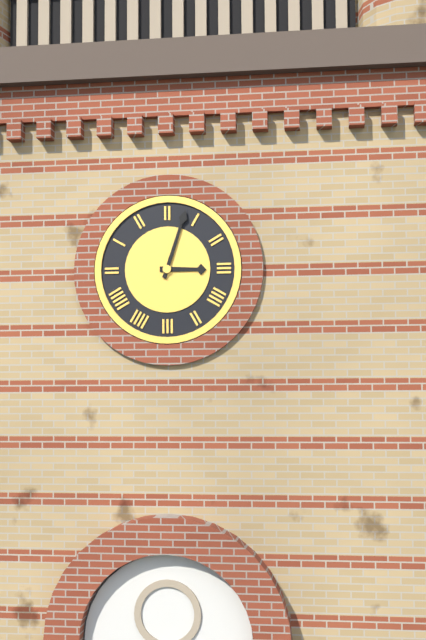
3:03
